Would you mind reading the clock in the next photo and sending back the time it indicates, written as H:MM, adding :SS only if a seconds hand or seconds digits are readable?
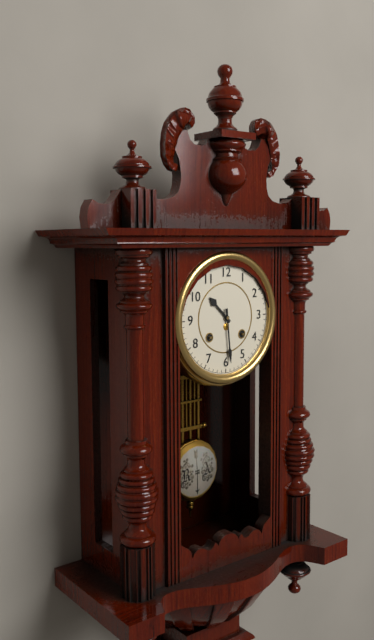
10:29
